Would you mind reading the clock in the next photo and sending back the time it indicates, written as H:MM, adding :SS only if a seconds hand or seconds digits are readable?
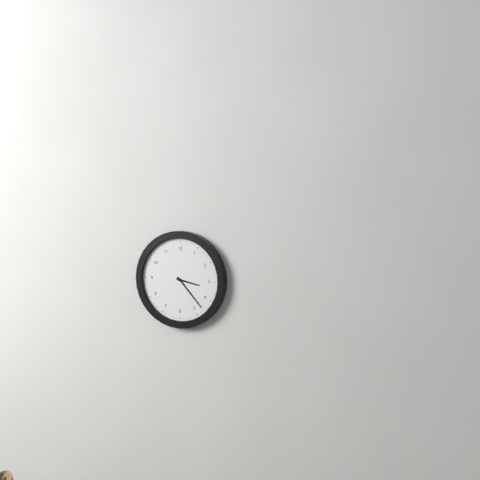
3:23
